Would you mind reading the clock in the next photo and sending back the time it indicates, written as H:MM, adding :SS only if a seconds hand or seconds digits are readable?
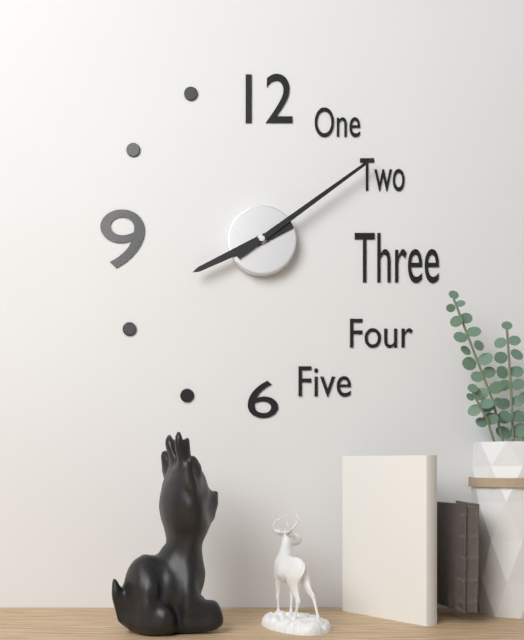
8:09
